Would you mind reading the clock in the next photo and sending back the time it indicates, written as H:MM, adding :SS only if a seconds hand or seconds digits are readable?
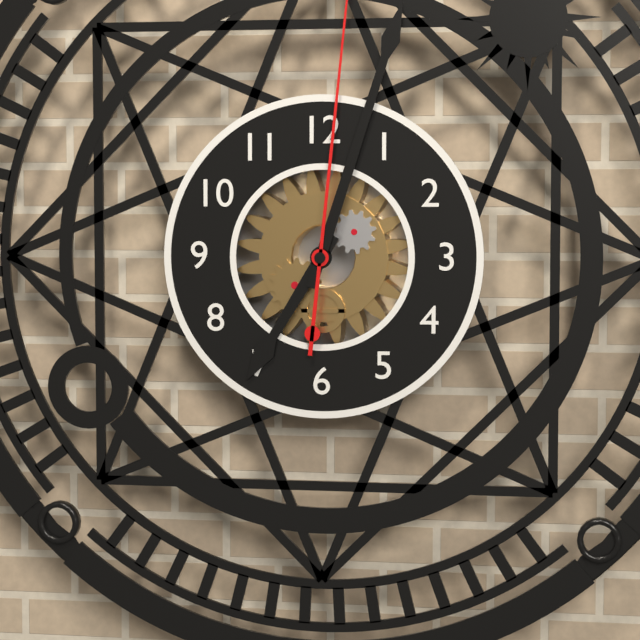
7:03
